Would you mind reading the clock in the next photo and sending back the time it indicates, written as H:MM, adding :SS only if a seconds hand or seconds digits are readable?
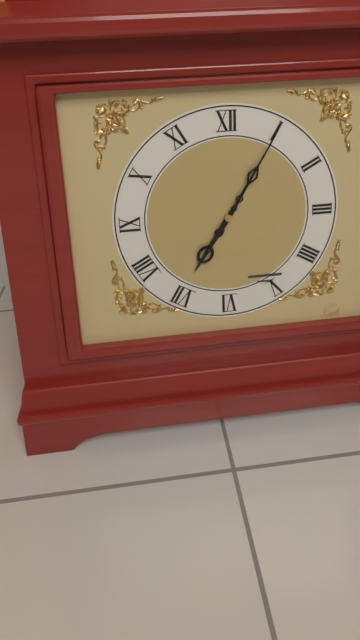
7:05
